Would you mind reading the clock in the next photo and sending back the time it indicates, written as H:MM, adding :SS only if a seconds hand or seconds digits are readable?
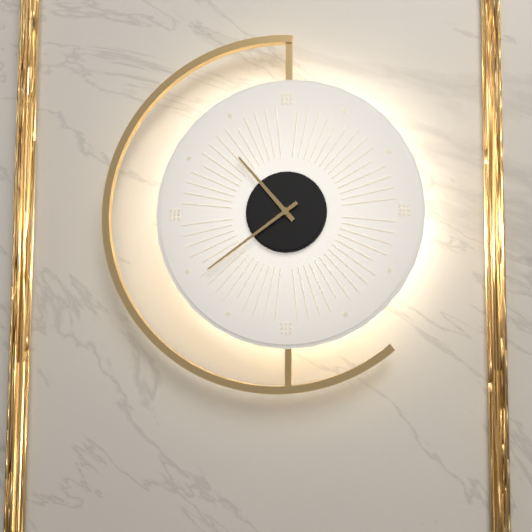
10:39
